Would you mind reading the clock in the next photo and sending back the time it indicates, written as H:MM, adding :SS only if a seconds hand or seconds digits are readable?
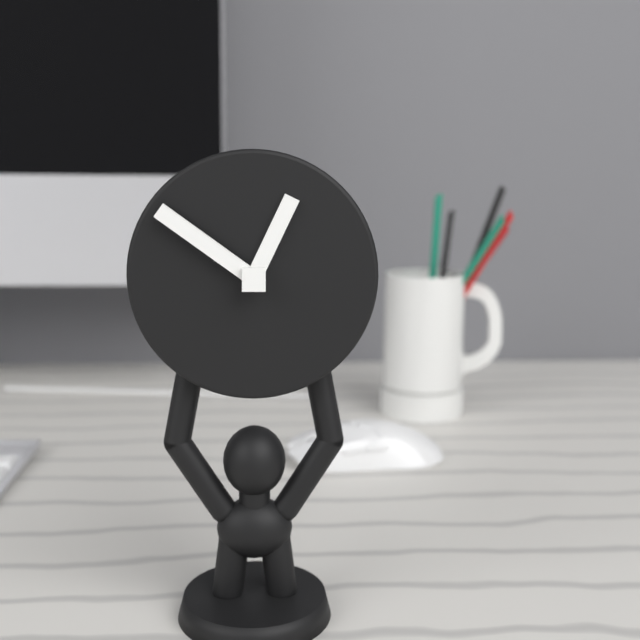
12:51
